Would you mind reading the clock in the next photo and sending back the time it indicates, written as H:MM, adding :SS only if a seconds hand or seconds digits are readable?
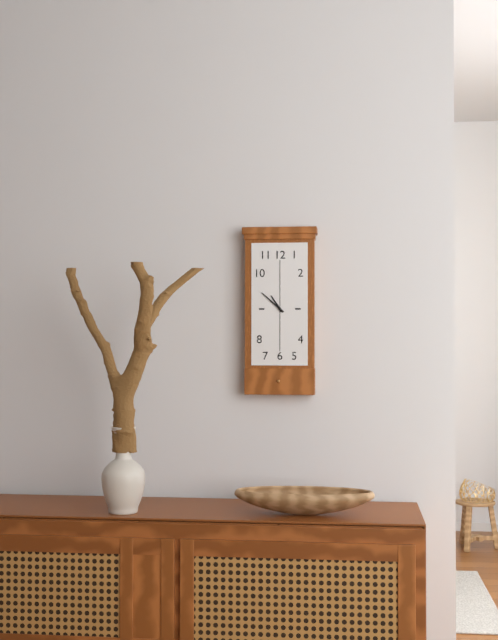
10:52
